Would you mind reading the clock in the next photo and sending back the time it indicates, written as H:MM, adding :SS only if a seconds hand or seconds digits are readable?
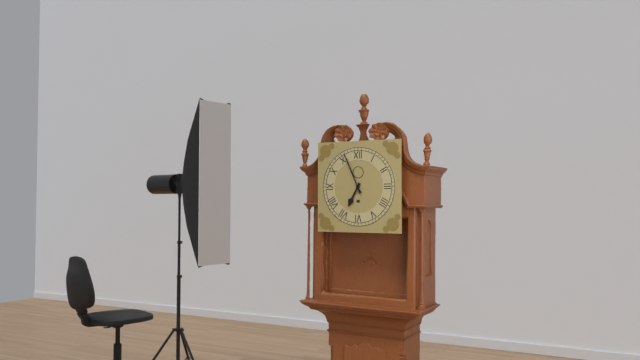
6:56
